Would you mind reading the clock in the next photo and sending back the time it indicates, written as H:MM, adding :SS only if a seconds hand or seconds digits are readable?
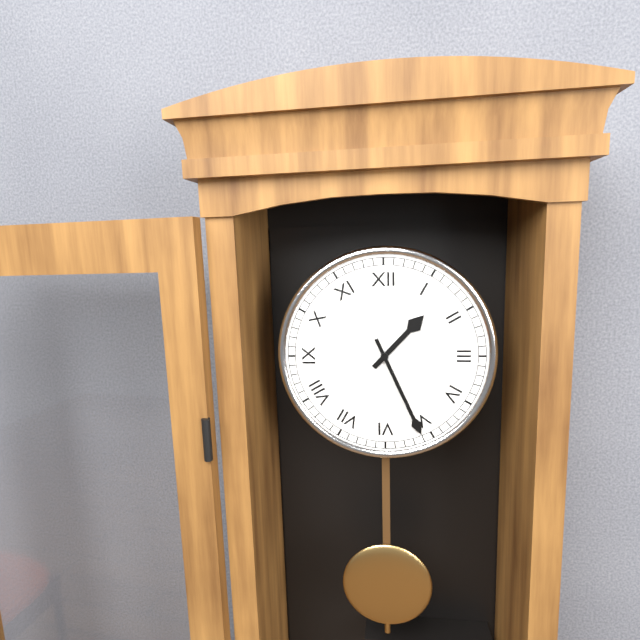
1:26
